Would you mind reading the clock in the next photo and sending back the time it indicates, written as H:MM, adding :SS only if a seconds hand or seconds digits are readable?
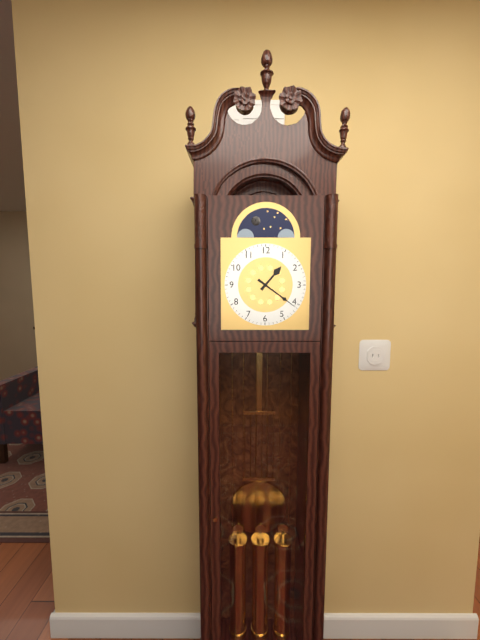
1:21
